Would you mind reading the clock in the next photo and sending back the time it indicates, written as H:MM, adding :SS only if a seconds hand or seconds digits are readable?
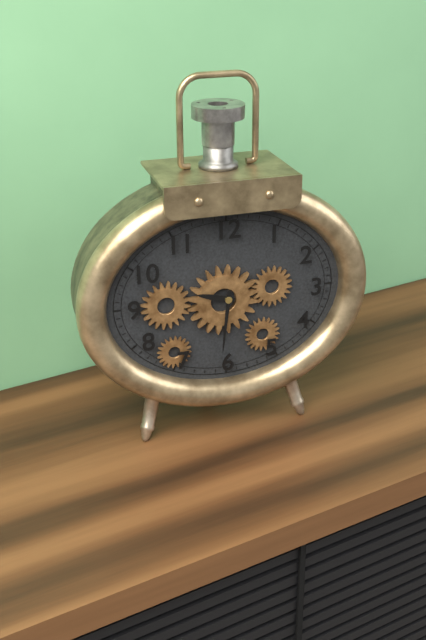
9:31
